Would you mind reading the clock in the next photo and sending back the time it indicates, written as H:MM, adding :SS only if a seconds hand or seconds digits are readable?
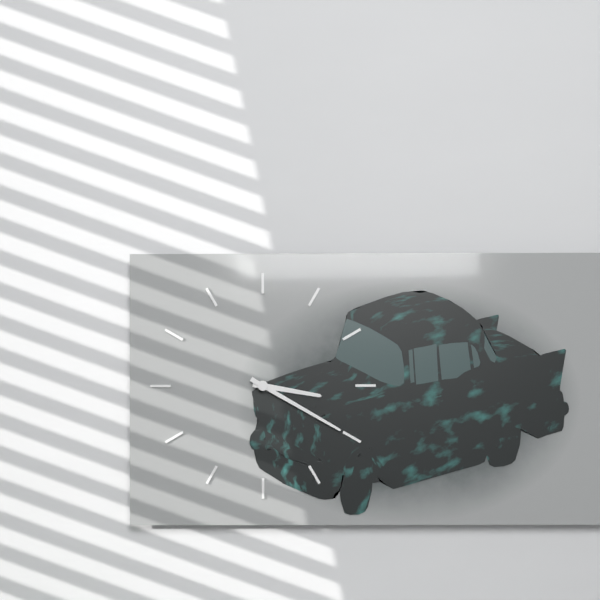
3:20
